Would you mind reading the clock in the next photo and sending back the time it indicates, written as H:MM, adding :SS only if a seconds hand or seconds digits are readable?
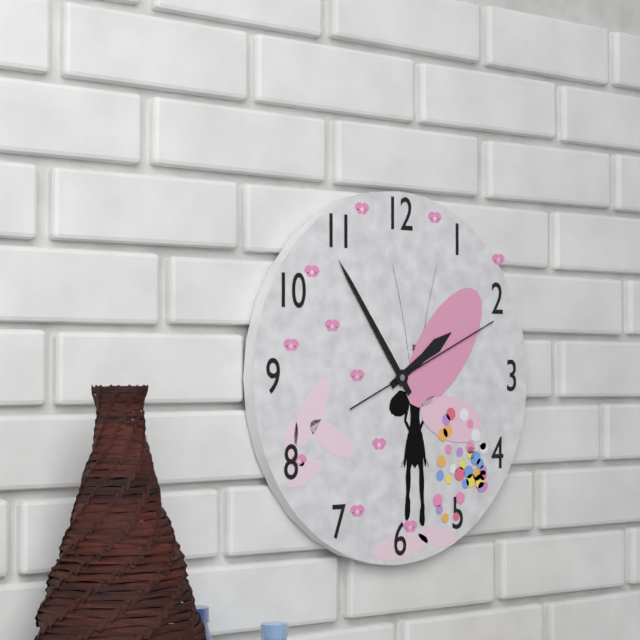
1:54:11
